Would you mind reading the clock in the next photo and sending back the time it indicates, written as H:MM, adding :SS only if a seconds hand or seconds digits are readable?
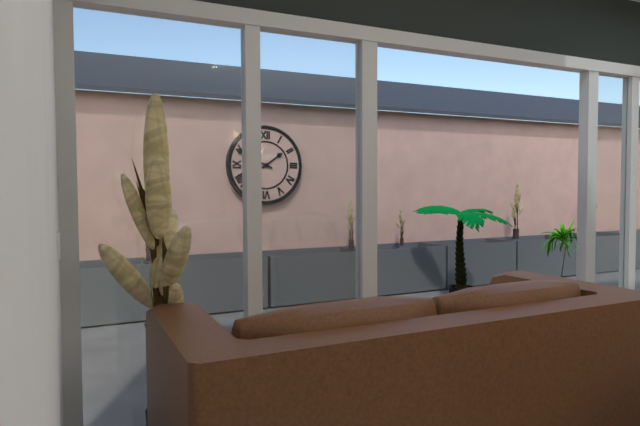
1:49
